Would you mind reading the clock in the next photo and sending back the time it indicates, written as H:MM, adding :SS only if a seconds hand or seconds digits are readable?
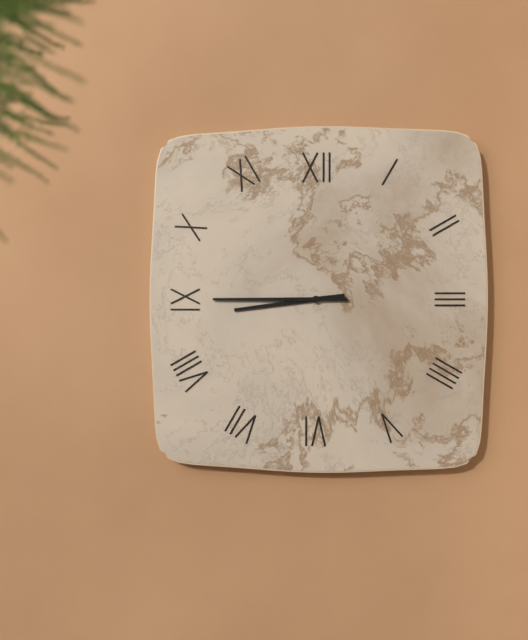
8:45
